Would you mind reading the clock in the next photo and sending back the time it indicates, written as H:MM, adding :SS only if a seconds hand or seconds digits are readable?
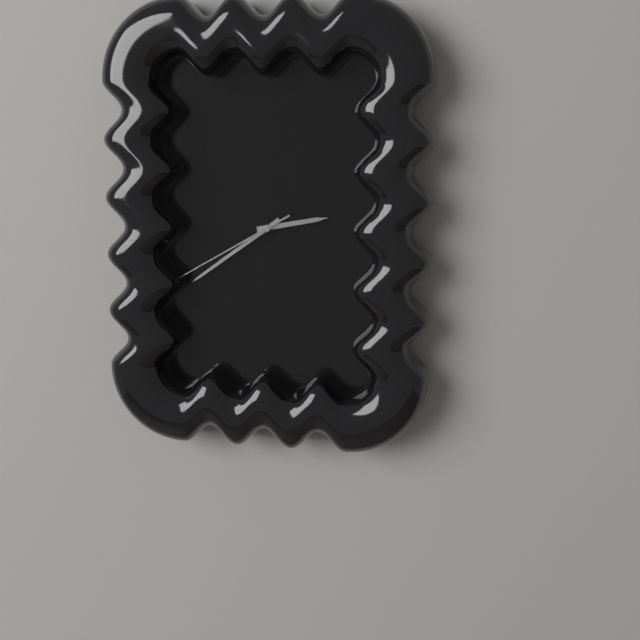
2:39:40
